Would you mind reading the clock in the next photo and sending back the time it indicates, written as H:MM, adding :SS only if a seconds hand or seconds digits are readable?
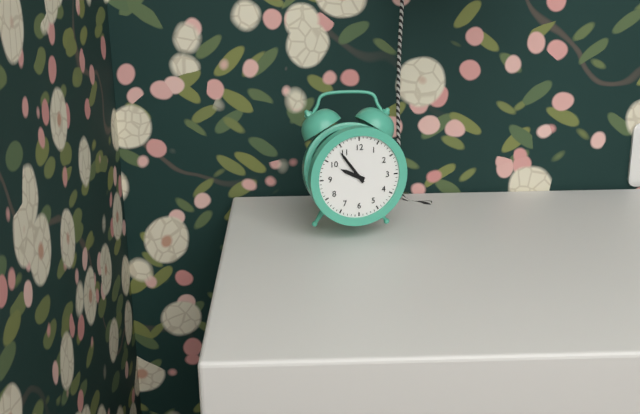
9:54
